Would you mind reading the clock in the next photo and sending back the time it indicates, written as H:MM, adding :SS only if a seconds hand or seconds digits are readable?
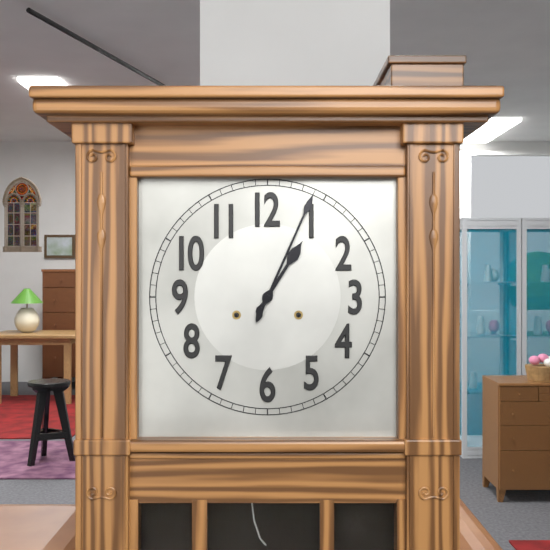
1:04
